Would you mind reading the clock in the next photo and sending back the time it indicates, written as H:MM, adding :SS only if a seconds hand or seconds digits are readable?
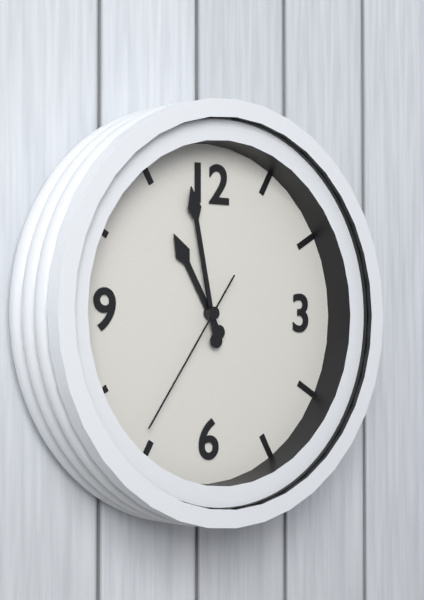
10:58:36
